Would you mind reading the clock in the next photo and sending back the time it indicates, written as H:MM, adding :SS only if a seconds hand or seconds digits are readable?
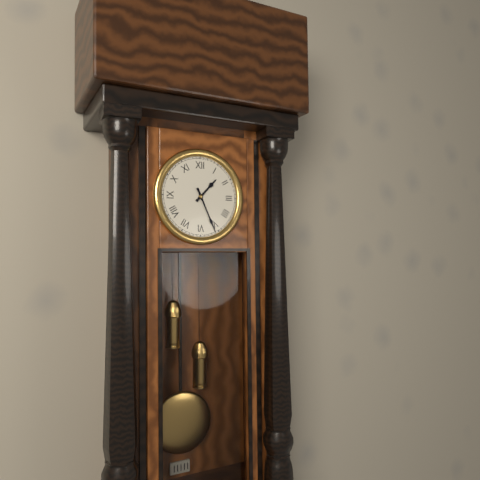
1:26
